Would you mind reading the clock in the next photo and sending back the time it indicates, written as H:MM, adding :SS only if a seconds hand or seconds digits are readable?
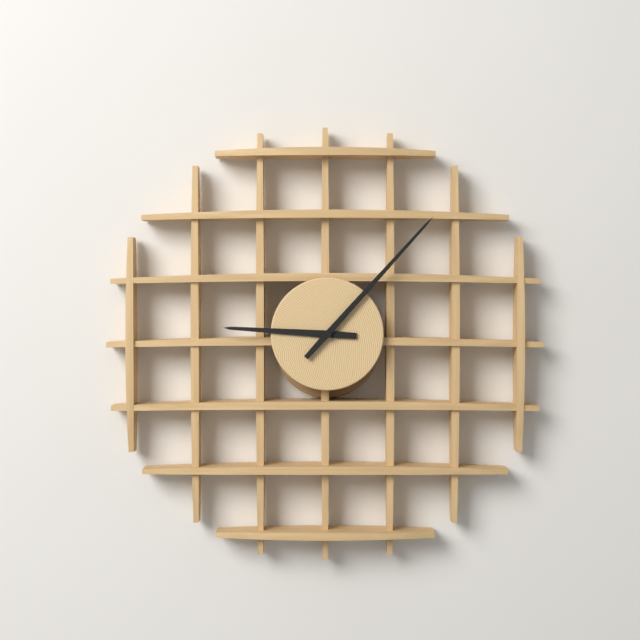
9:07
